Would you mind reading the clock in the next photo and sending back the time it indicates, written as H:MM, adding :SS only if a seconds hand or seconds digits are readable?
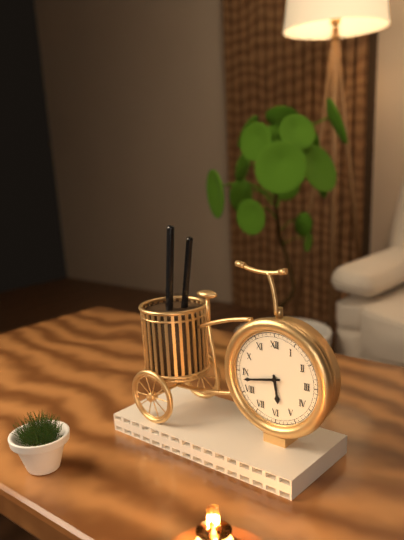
5:43
